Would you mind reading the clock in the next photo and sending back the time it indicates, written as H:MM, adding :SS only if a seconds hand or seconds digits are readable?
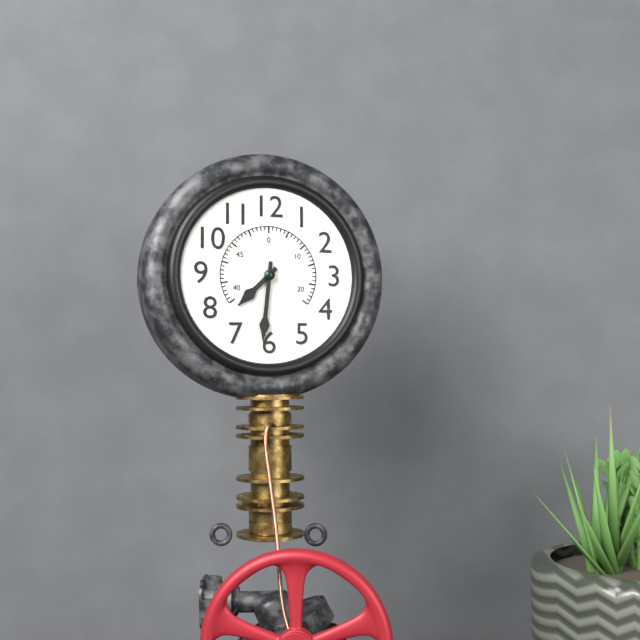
7:31
